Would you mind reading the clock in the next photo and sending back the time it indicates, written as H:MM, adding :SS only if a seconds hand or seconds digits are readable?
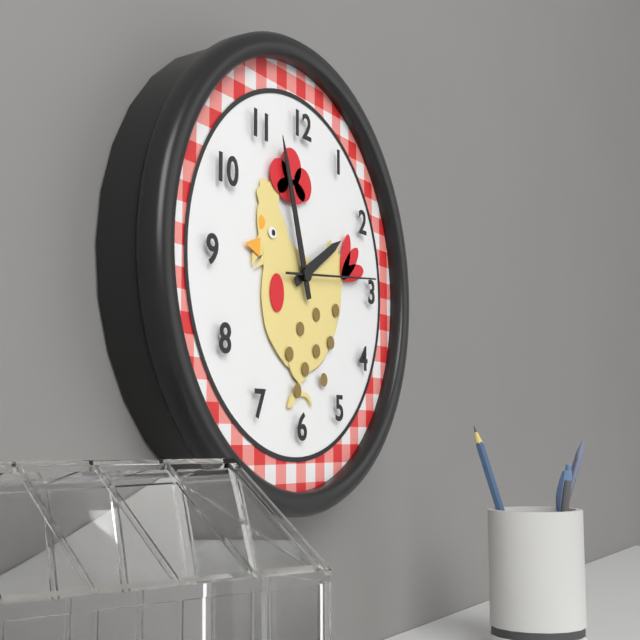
1:57:14
